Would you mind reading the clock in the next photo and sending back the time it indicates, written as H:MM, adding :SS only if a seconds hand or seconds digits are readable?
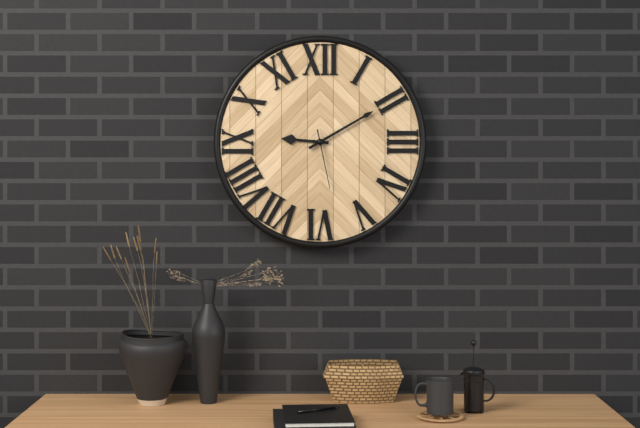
9:10:28
